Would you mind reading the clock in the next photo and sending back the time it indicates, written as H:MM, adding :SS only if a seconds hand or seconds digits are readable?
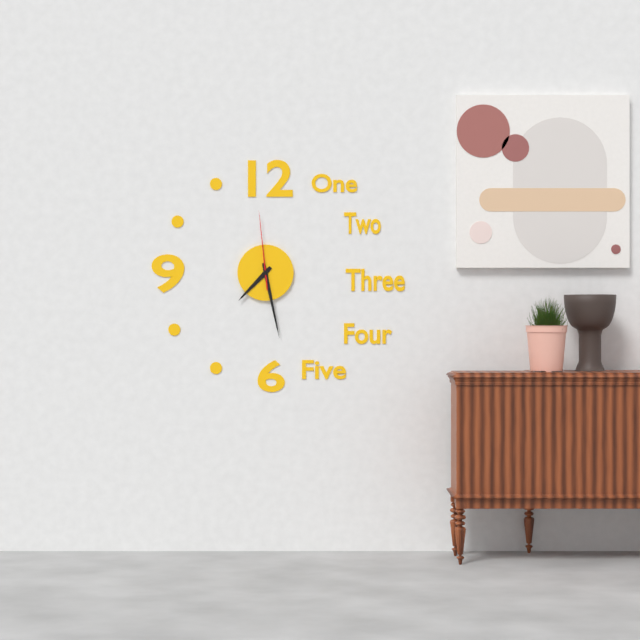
7:28:59
